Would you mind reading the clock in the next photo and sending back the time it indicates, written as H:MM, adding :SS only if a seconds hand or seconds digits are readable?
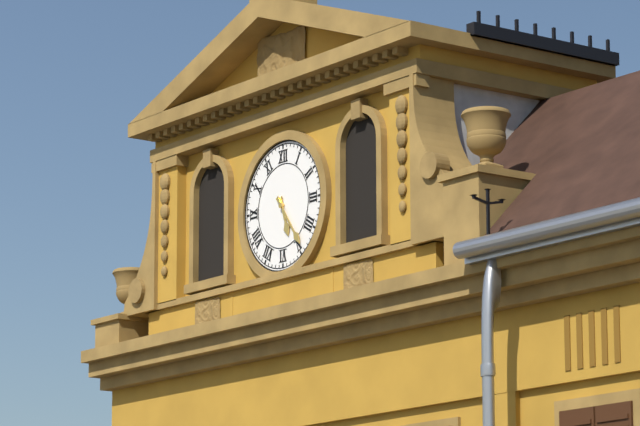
5:24
